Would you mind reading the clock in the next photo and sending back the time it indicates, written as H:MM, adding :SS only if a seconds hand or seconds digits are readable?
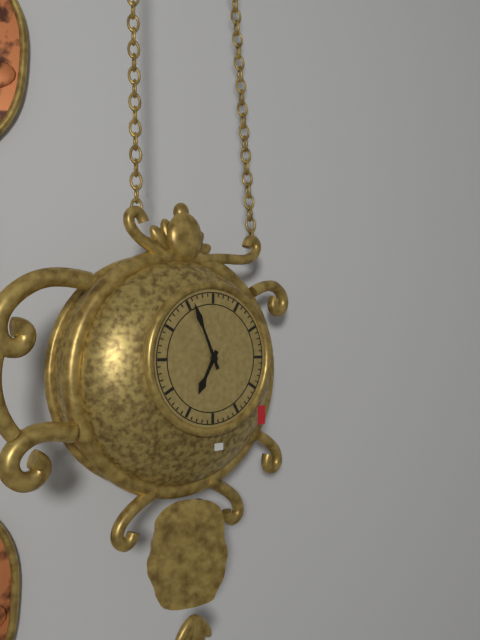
6:56
